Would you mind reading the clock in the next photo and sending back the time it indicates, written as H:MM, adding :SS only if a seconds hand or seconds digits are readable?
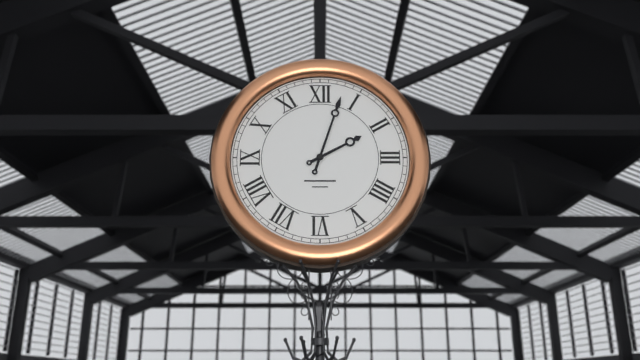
2:03
